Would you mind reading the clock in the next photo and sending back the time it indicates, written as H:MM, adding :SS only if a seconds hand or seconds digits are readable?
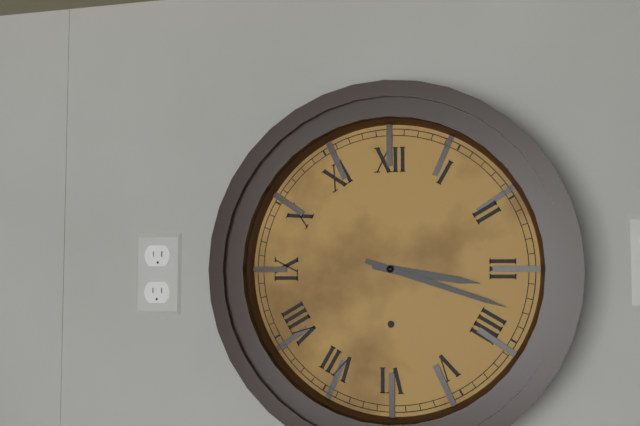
3:18
